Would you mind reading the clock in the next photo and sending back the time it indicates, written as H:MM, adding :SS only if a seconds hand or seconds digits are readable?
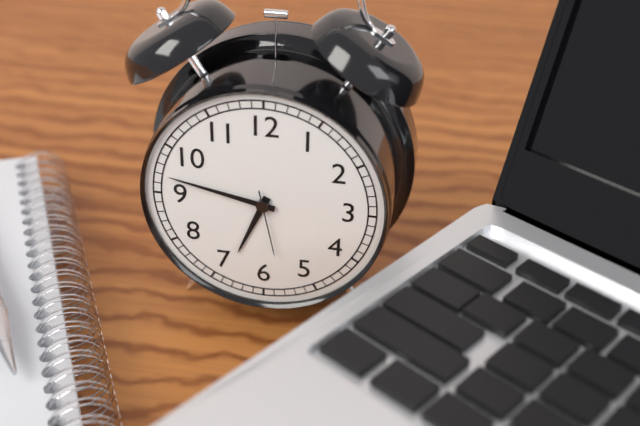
6:47:28
